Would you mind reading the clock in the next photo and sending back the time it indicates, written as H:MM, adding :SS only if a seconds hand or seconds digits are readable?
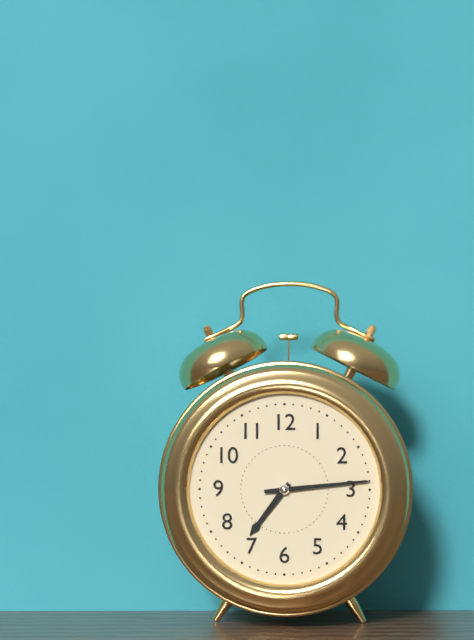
7:14
